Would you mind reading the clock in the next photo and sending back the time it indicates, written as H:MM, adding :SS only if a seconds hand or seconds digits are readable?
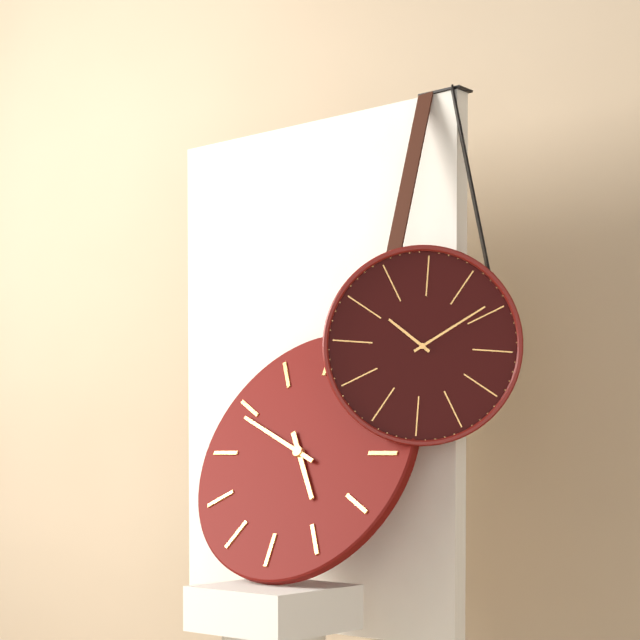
4:49
